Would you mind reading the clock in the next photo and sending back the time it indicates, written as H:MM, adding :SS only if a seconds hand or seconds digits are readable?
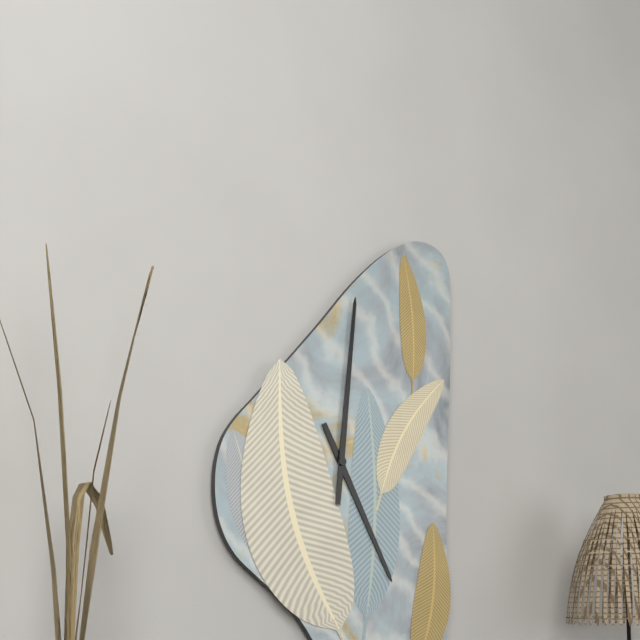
5:01
